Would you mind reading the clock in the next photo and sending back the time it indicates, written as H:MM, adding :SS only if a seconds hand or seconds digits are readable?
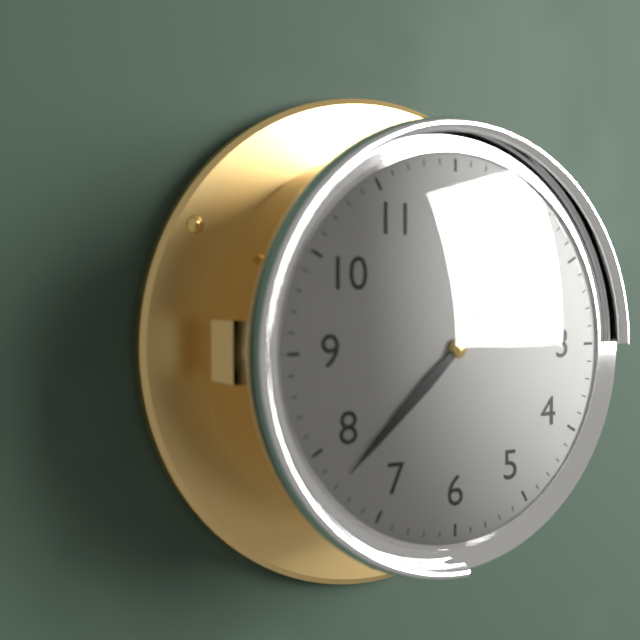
1:38
